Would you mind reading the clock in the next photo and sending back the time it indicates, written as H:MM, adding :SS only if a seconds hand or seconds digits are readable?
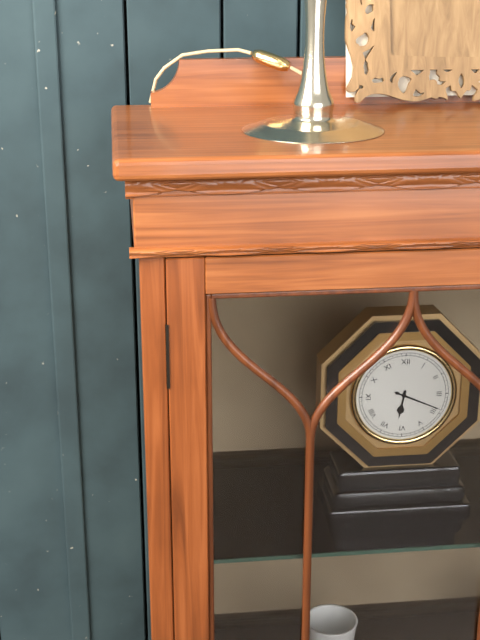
6:19
